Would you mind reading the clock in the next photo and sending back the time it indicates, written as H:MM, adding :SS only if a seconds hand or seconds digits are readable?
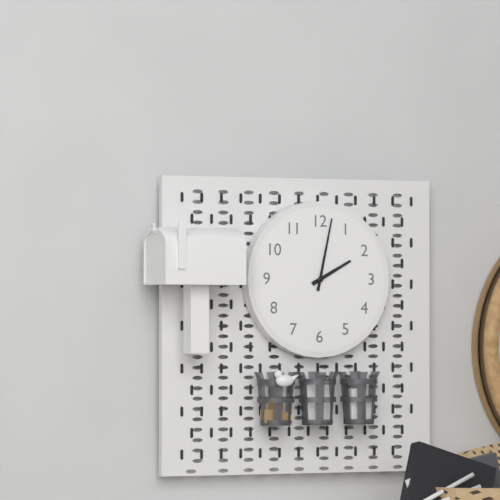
2:02
